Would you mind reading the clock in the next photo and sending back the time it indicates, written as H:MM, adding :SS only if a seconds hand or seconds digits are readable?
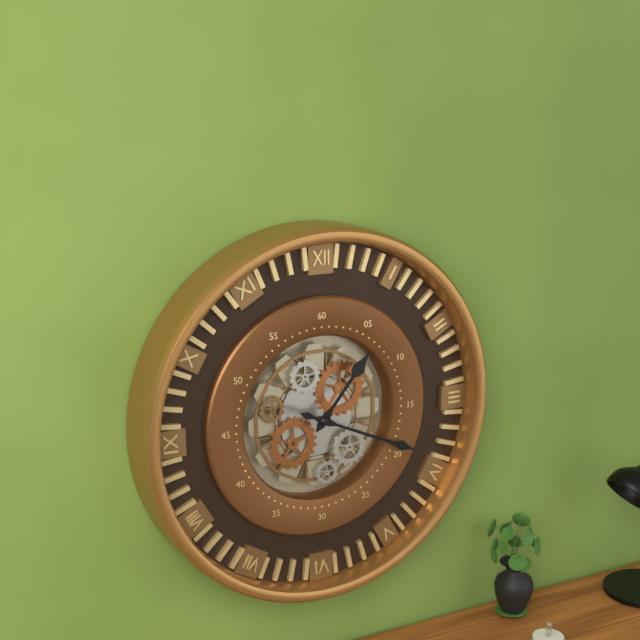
1:19
